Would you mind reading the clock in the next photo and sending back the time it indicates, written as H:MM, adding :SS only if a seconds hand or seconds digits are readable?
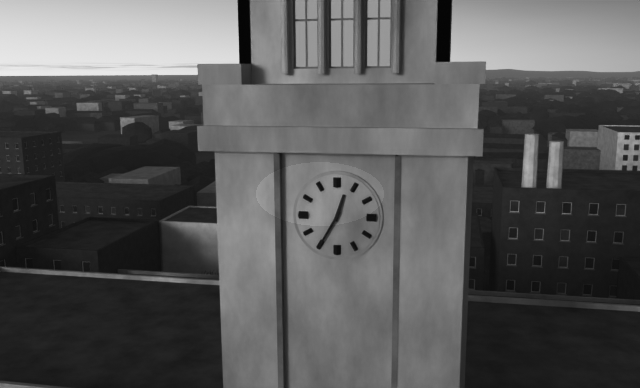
12:35
